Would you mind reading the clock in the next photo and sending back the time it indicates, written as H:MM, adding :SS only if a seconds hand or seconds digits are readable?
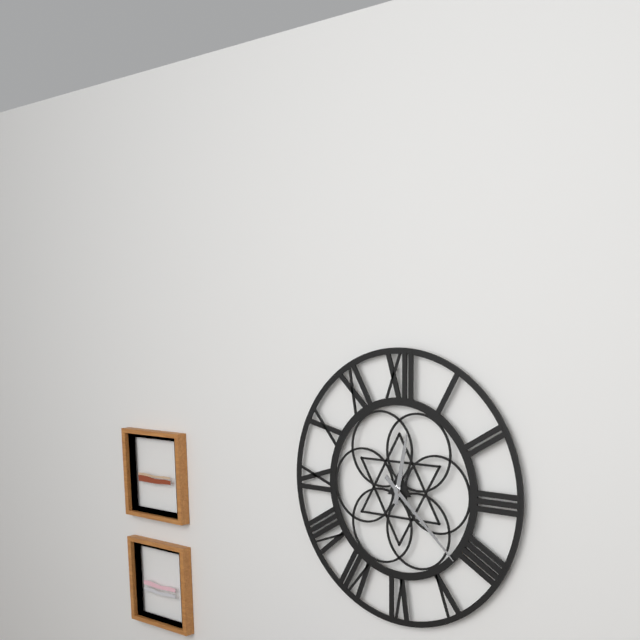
12:22
